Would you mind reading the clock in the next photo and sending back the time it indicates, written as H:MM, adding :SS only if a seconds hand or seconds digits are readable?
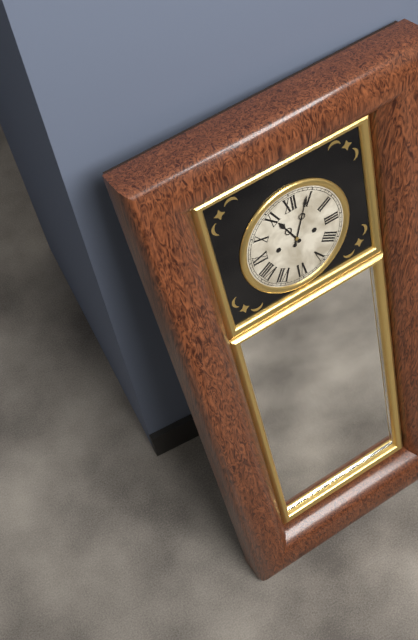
11:04
